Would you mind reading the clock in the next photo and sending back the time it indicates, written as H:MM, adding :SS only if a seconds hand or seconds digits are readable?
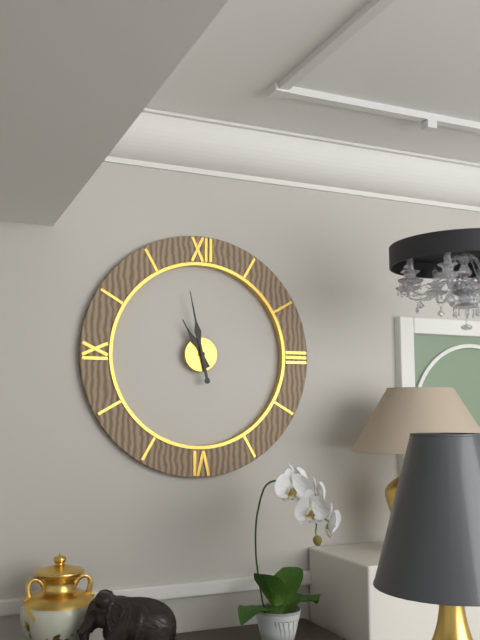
10:58
